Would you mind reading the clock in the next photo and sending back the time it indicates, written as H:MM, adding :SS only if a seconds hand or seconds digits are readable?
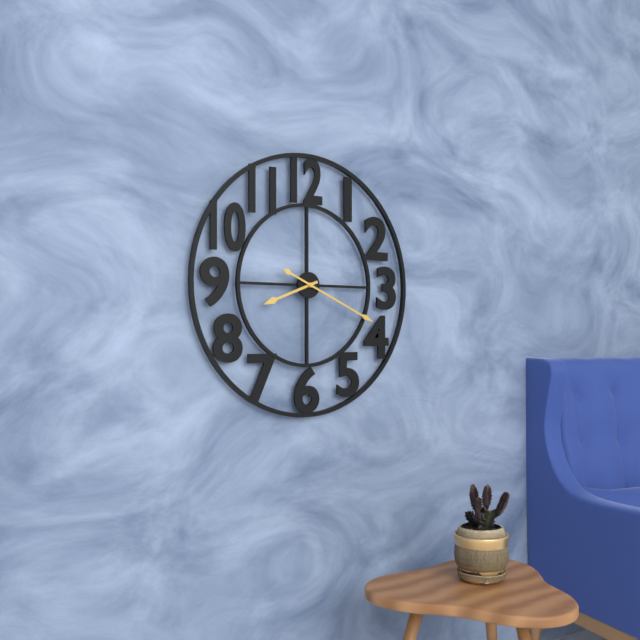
8:19
